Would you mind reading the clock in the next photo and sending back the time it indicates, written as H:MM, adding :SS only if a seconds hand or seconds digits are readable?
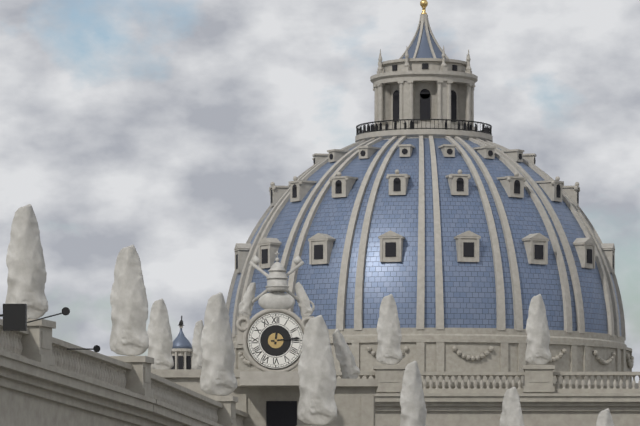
12:14
